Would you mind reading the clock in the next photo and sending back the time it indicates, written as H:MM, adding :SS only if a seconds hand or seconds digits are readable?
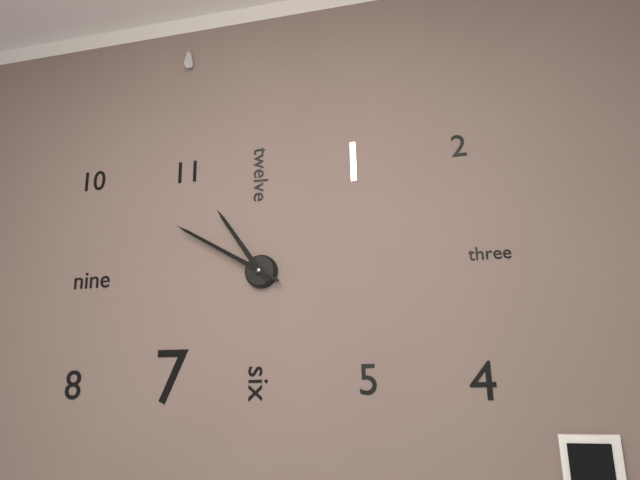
10:50
